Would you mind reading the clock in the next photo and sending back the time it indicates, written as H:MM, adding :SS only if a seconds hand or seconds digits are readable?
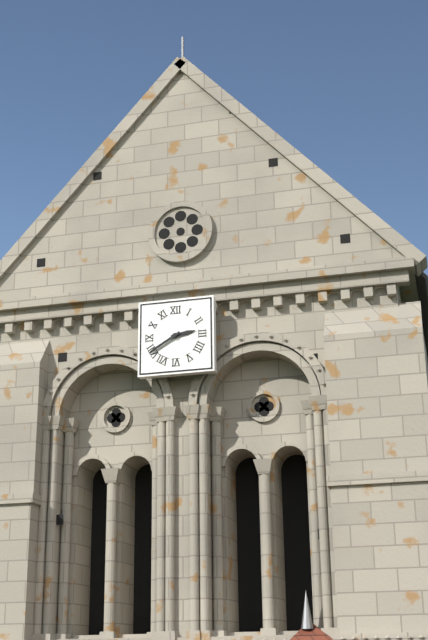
2:40
